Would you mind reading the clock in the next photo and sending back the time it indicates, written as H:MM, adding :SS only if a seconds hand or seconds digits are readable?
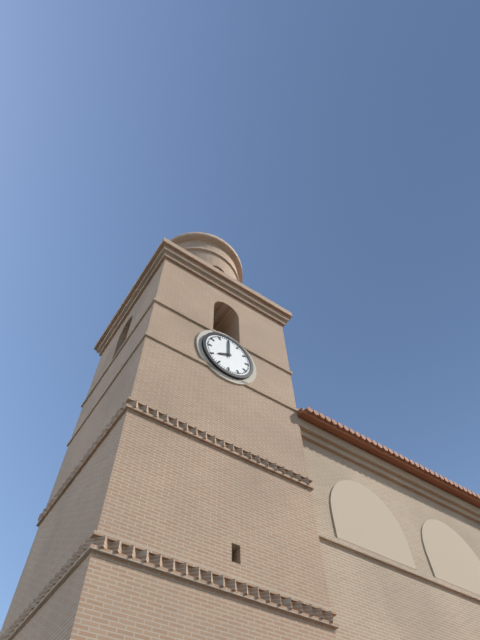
8:00
